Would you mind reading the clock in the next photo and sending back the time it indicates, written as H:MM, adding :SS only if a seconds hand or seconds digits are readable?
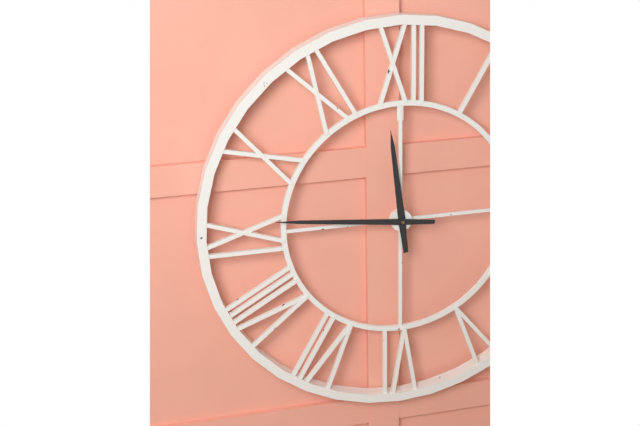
11:46
